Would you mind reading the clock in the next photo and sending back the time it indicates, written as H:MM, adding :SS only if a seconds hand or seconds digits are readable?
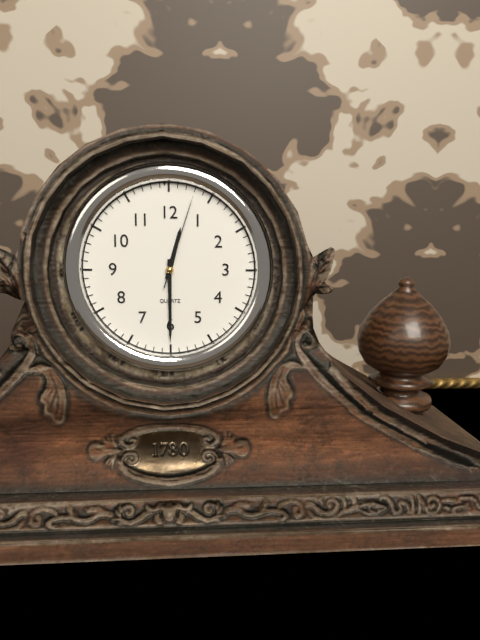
12:30:03
